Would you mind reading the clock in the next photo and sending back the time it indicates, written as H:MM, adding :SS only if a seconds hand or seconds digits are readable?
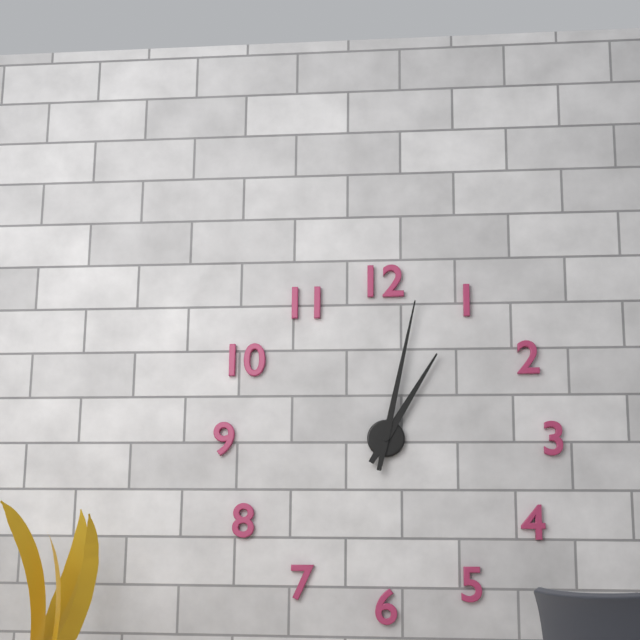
1:02
